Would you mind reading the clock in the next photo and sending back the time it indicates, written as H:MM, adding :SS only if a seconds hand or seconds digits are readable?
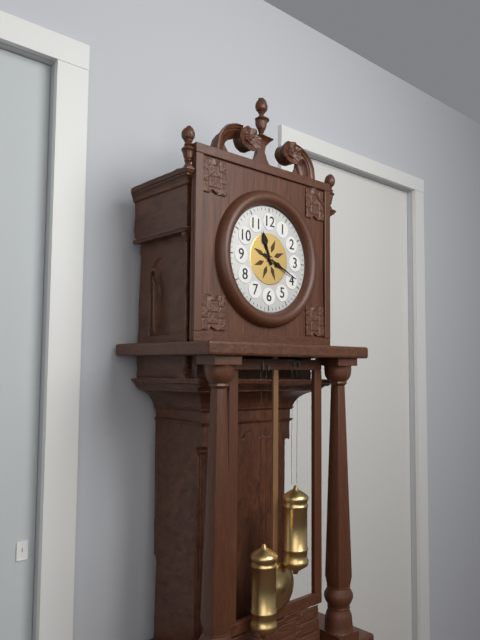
11:19
